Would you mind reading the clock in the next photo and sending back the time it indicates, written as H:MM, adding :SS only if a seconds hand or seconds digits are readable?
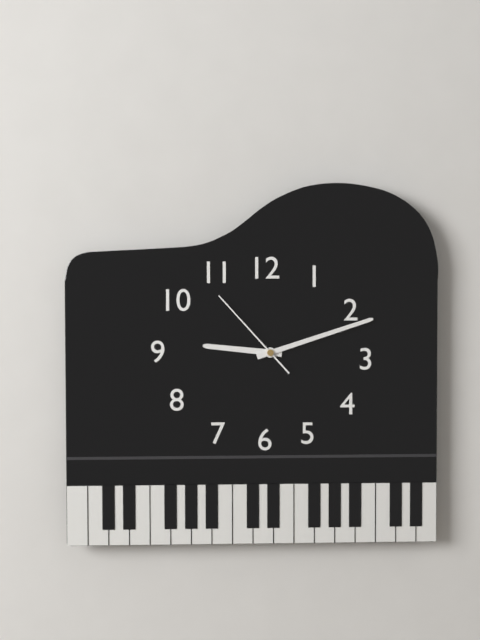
9:12:53
